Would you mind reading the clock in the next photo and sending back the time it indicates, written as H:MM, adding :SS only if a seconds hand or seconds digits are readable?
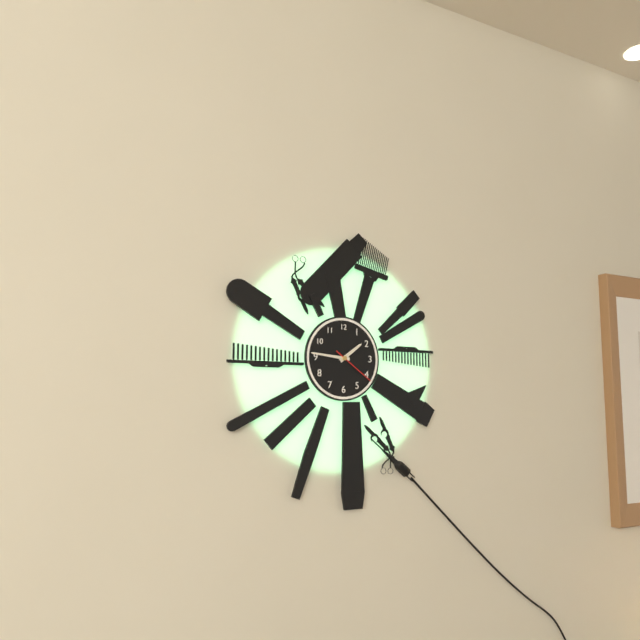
1:46
